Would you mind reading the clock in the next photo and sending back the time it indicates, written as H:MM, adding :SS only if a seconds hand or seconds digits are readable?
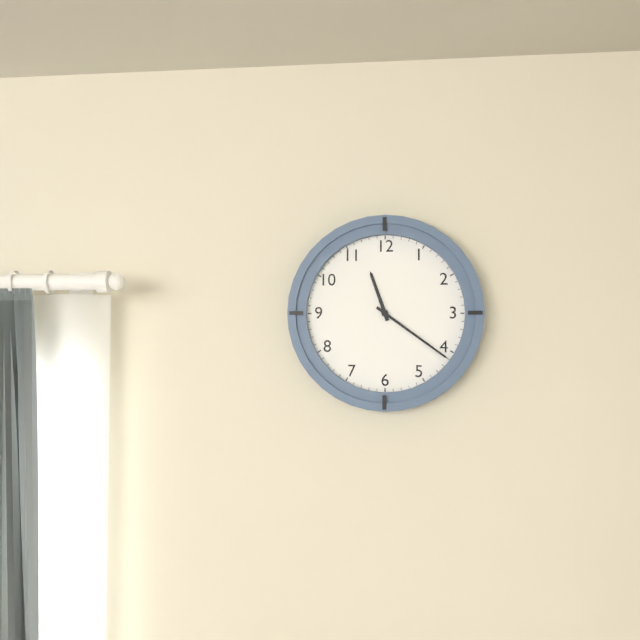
11:21
